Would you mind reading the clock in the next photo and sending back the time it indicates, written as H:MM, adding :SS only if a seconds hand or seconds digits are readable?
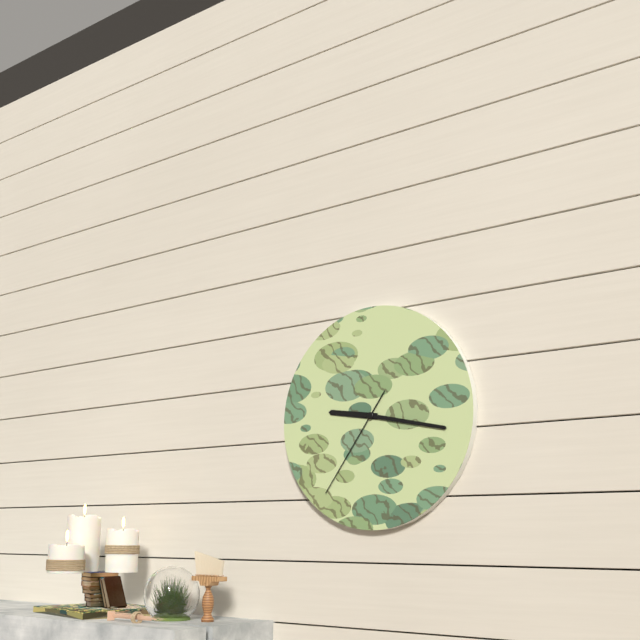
9:17:36
